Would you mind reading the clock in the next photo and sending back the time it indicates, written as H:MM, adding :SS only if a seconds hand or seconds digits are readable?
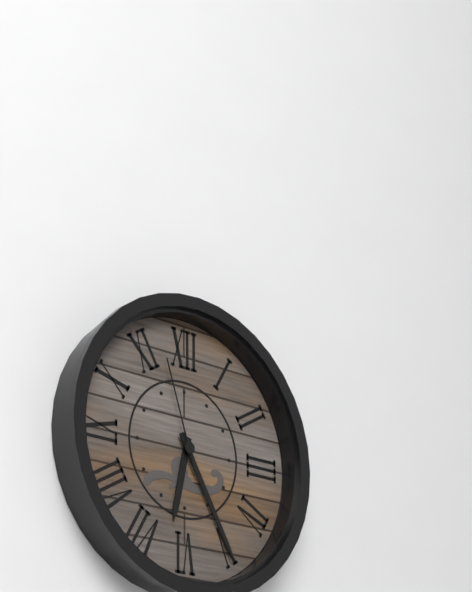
6:25:57
